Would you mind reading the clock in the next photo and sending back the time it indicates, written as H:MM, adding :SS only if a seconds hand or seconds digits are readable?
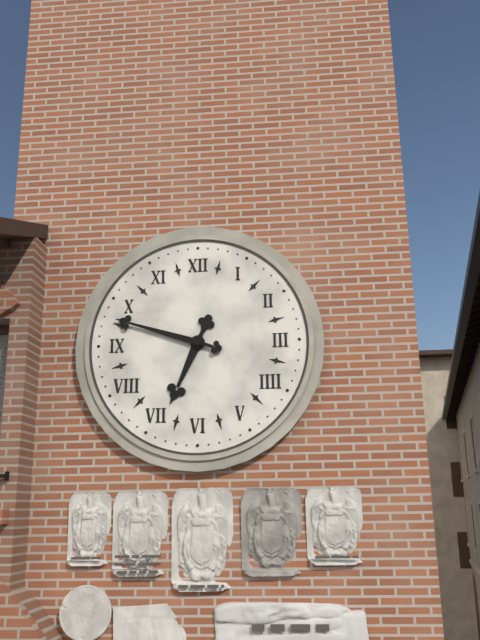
6:48
